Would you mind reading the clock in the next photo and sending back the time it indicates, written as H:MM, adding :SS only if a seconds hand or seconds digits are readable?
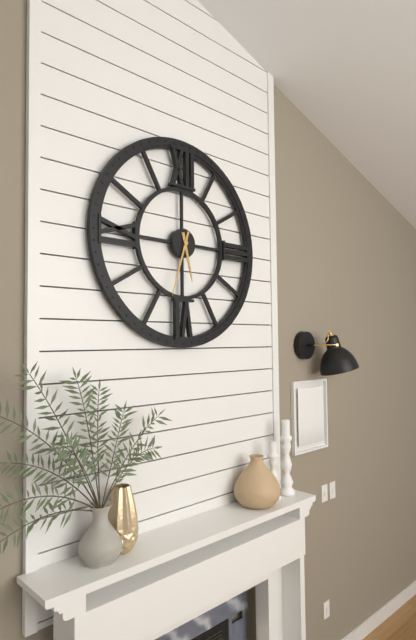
5:33
